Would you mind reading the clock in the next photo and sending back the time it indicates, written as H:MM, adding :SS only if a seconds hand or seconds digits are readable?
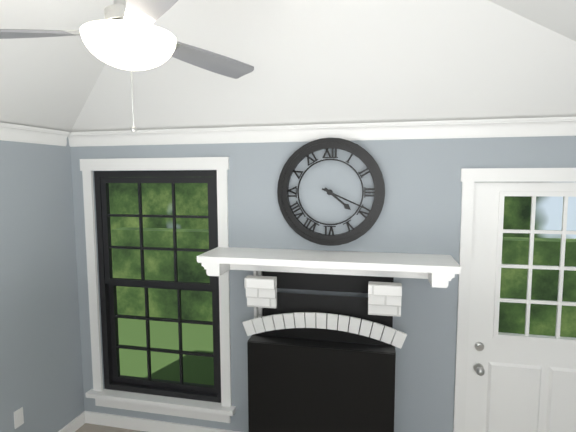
4:19
